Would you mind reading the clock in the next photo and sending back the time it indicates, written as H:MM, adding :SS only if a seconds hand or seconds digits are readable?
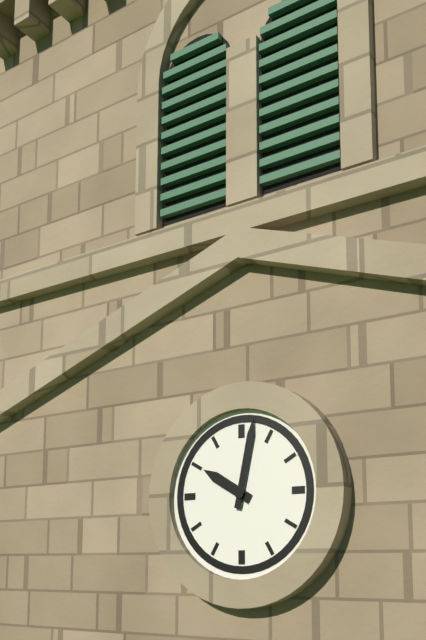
10:02
